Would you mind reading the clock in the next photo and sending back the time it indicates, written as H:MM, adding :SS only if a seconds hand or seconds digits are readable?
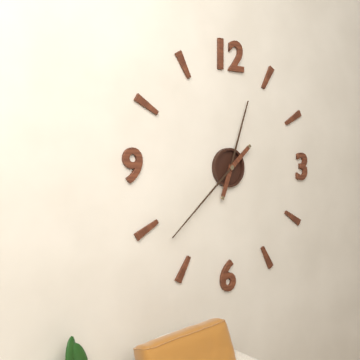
12:38
